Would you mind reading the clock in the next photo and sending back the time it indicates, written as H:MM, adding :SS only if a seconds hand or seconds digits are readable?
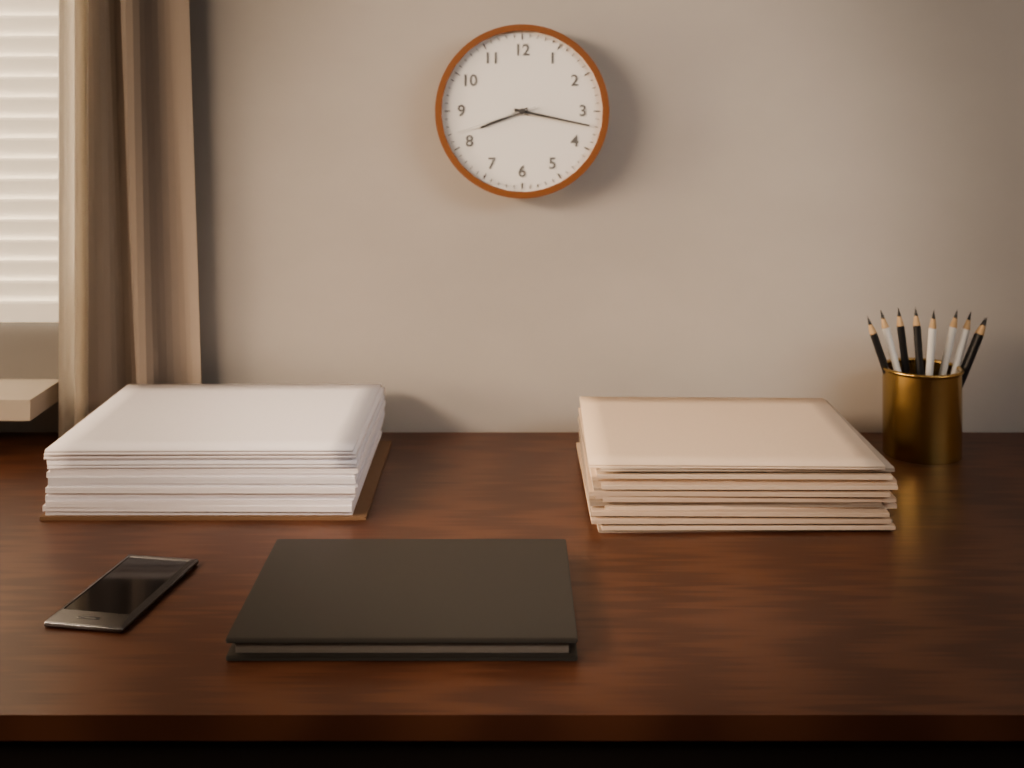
8:17:42
